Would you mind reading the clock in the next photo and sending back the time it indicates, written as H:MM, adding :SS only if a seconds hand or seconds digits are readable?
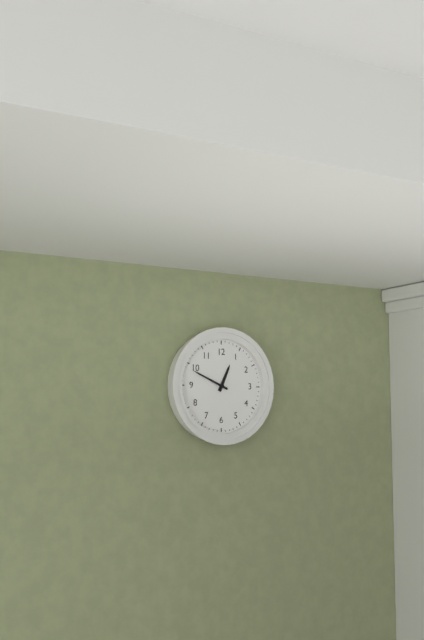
12:49
